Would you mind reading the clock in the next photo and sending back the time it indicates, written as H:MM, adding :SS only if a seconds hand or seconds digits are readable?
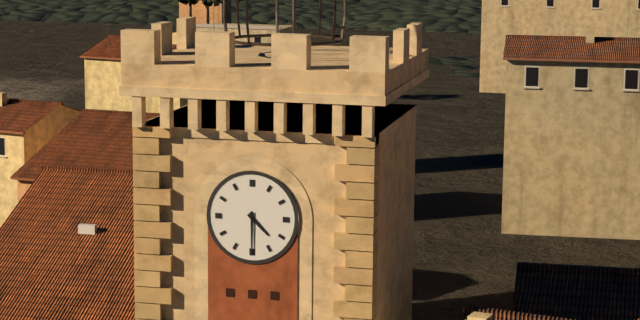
4:30
